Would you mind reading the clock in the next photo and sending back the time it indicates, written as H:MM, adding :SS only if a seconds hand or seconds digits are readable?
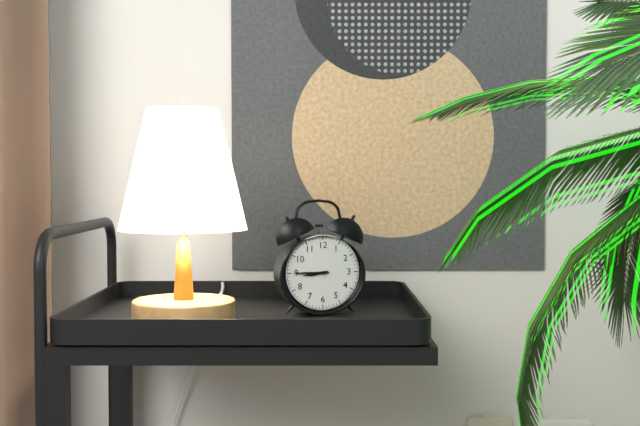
8:45
